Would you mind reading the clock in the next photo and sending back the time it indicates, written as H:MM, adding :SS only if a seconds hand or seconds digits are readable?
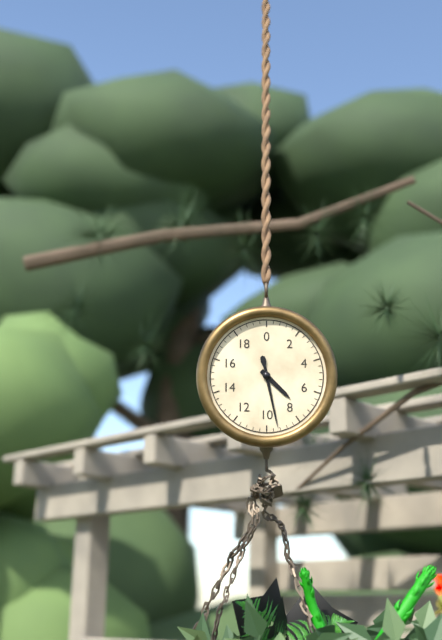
4:28
